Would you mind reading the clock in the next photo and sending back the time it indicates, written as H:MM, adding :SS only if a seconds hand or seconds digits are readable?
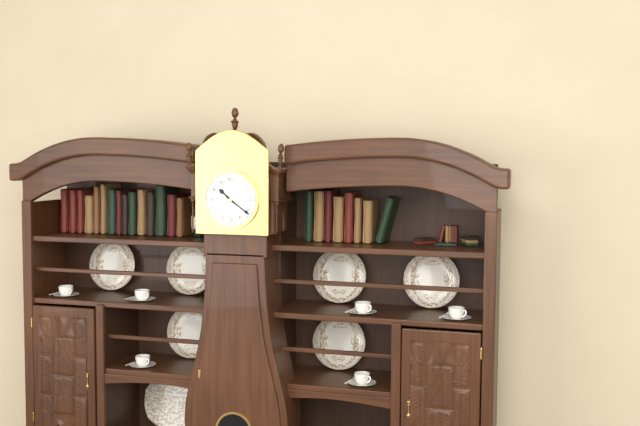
10:21
